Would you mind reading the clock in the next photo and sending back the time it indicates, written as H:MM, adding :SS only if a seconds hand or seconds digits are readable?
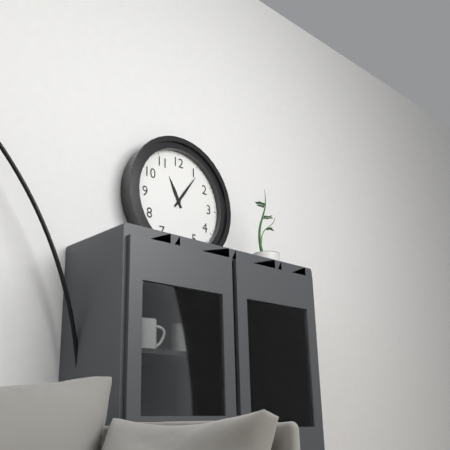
11:06
